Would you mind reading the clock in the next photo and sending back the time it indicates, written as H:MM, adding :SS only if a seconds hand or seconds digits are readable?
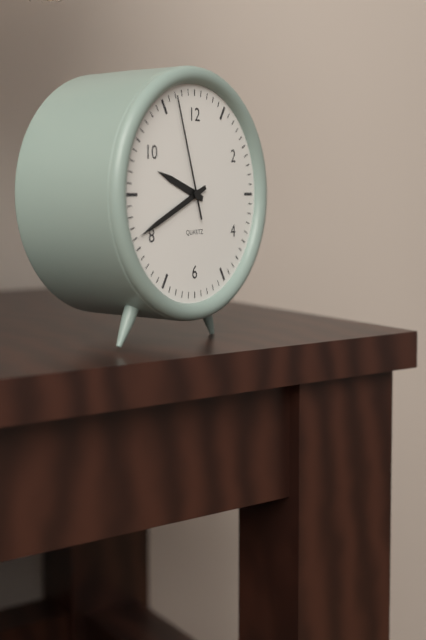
9:41:57
